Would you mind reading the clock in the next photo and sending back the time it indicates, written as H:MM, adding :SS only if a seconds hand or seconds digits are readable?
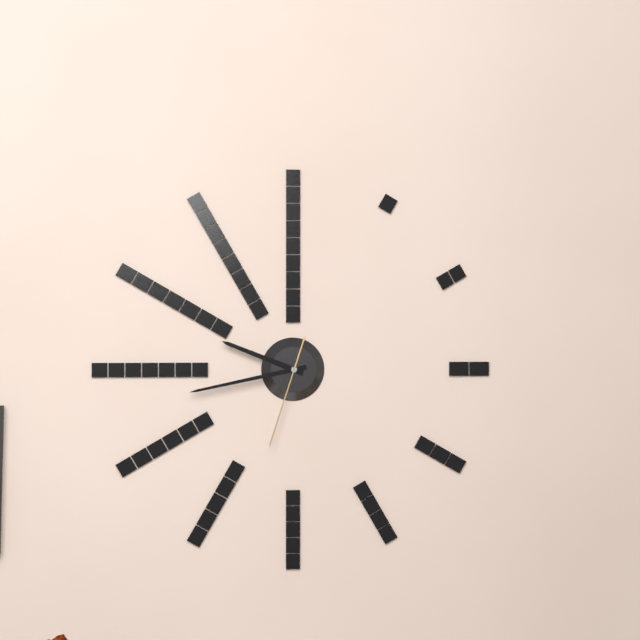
9:43:33
